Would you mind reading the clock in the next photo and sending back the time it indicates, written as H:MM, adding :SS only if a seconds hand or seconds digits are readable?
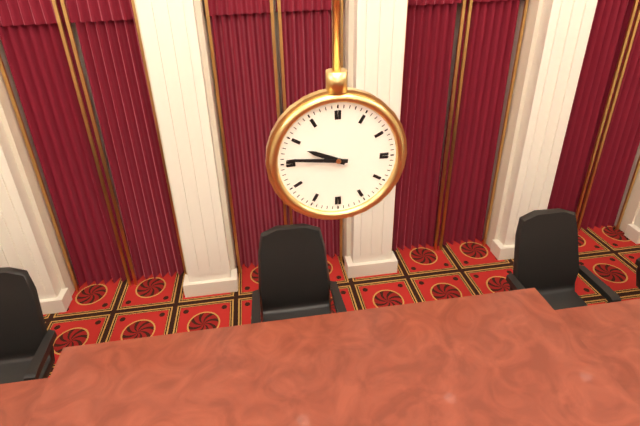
9:46
